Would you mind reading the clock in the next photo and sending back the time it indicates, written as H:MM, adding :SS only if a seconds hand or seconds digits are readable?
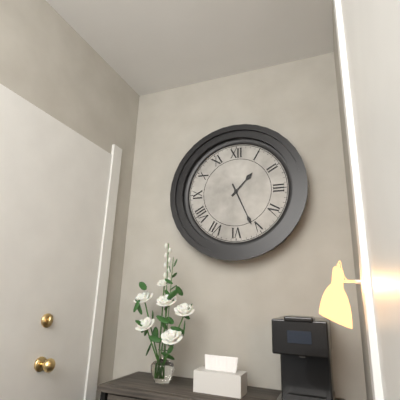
1:26
